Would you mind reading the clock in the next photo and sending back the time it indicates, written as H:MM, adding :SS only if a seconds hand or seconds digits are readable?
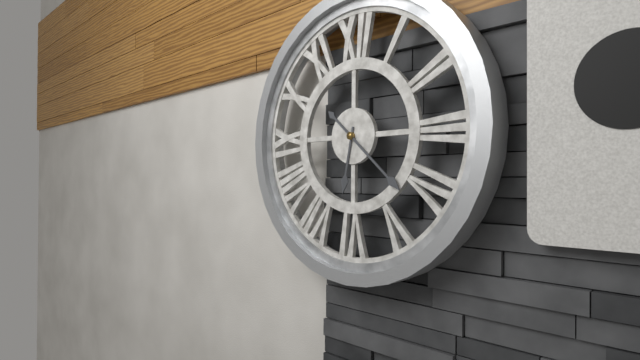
6:22
